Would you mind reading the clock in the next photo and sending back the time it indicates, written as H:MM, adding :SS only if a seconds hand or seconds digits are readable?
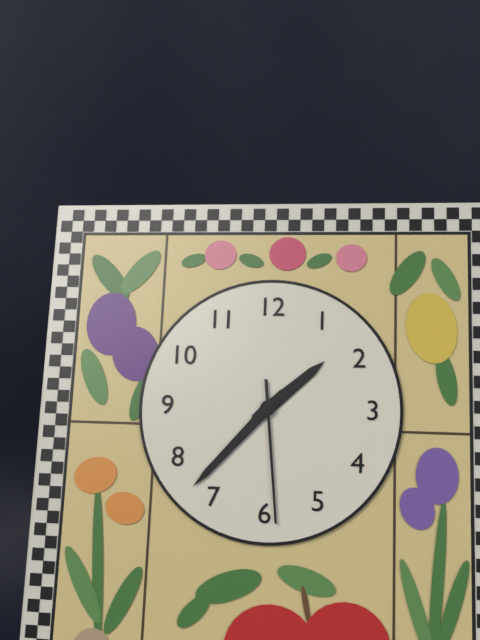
1:37:29
